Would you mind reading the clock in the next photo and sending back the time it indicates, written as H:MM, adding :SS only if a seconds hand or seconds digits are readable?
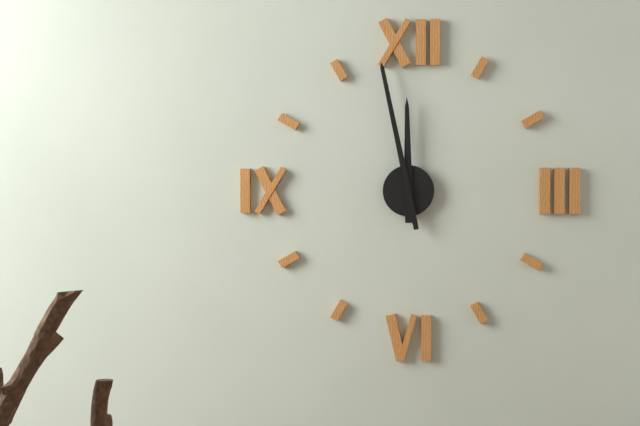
11:58
